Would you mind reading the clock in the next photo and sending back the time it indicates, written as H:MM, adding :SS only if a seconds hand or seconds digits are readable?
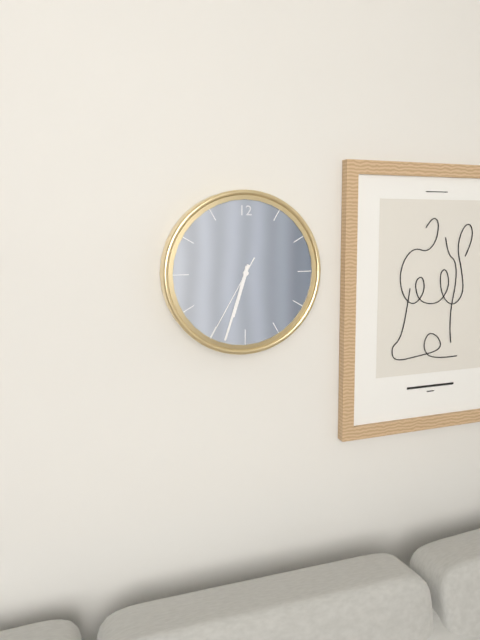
6:33:35
